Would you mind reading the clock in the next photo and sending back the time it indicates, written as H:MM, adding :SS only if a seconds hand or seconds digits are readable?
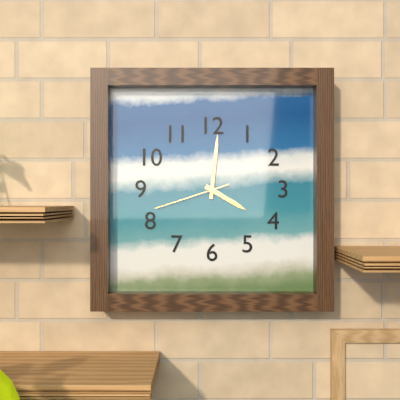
4:01:42
